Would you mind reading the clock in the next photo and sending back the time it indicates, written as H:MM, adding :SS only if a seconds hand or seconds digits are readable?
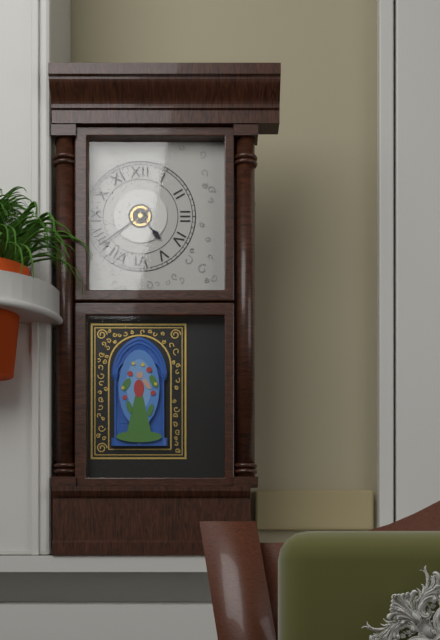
4:39
